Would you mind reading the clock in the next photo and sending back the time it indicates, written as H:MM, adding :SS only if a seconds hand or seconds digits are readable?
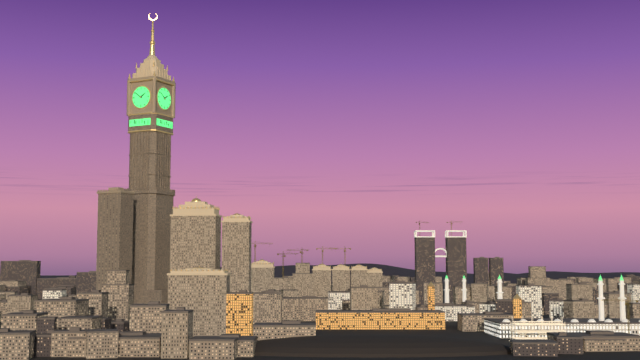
1:51
